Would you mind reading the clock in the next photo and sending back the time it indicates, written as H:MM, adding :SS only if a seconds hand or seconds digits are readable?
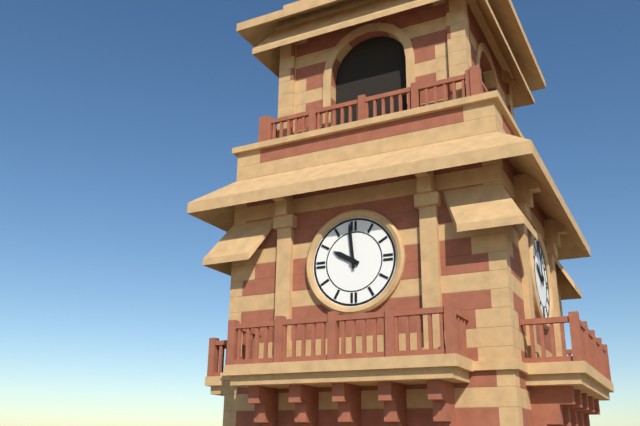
9:59
